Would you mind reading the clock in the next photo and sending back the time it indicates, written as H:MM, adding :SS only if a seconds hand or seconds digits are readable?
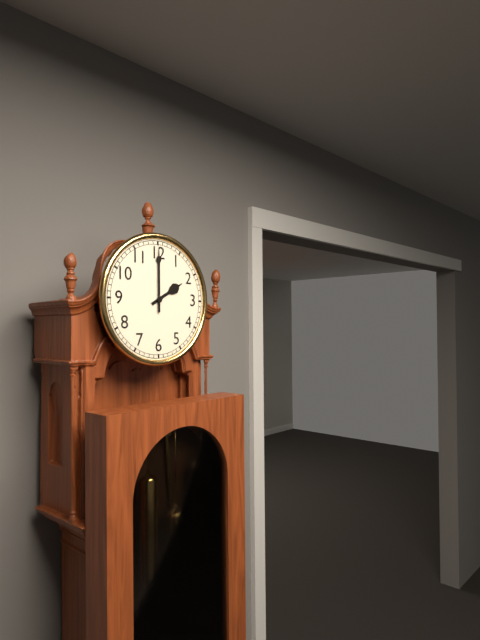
2:00
